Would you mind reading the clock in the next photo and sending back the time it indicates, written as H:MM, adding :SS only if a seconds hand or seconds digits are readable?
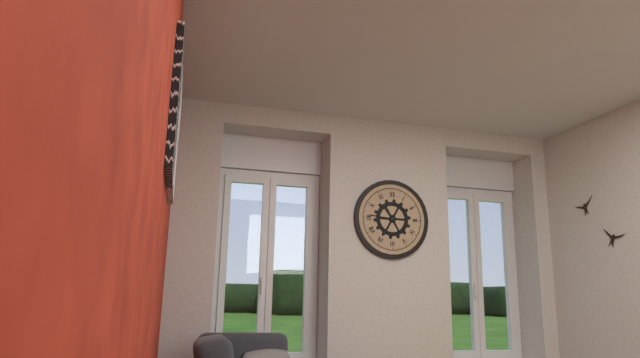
10:46
